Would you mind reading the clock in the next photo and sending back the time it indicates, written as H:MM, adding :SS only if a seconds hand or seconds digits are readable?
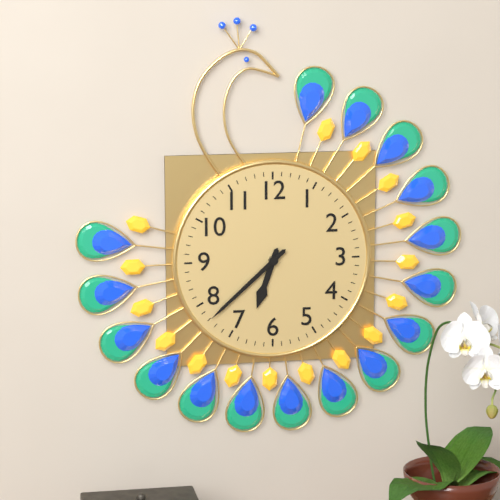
6:38
